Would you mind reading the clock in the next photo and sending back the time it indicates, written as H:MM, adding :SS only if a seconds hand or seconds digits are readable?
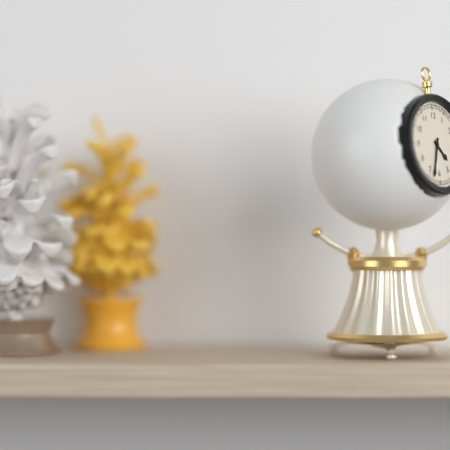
4:33
